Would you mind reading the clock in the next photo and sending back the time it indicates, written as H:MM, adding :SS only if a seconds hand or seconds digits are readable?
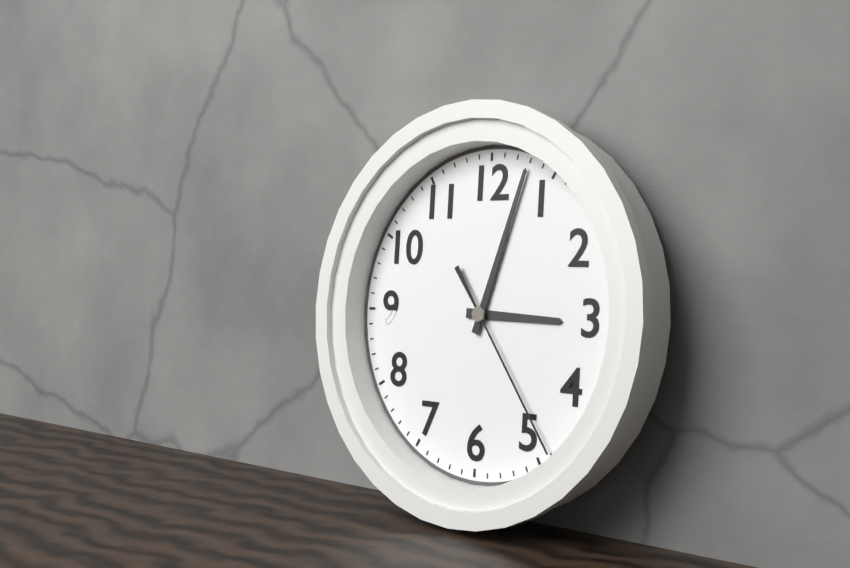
3:03:24
